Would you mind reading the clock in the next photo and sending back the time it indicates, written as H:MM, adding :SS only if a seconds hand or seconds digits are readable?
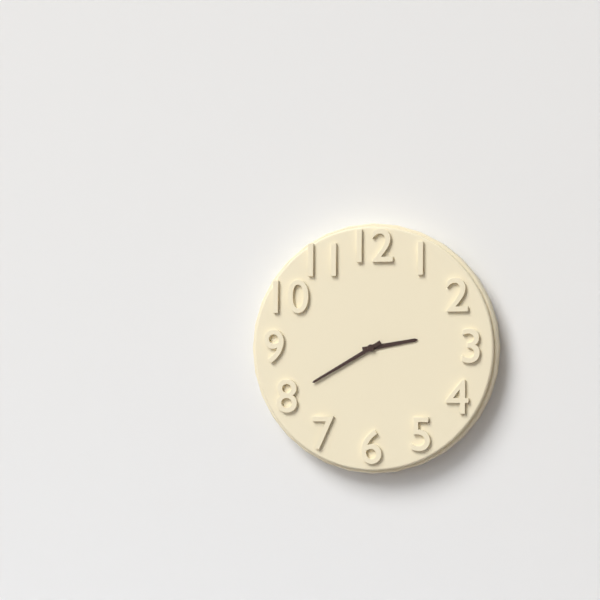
2:40
